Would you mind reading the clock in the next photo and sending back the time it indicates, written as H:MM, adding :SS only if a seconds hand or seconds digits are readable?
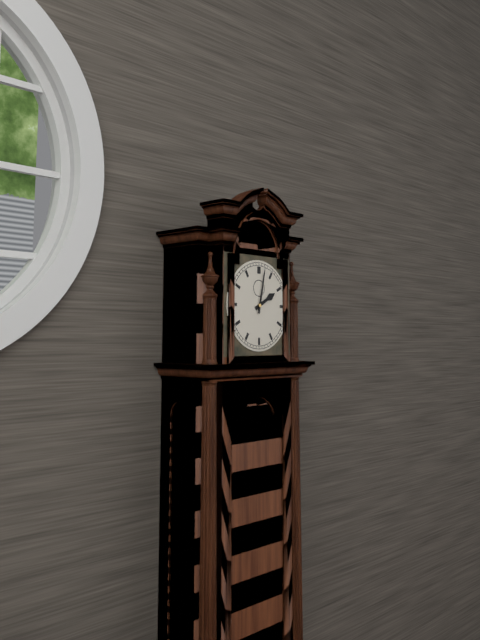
2:02
